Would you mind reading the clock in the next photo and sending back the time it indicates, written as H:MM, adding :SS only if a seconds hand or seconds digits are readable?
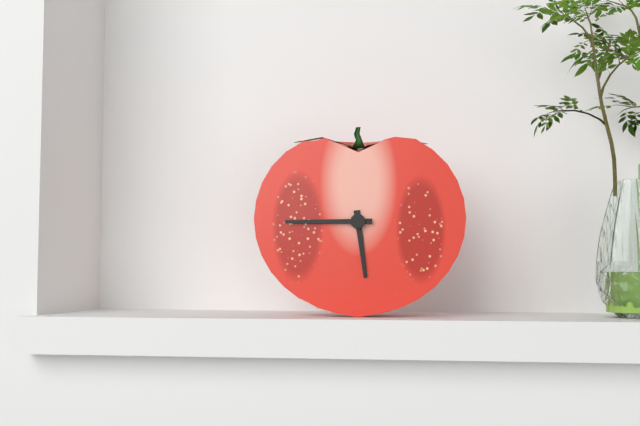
5:45
